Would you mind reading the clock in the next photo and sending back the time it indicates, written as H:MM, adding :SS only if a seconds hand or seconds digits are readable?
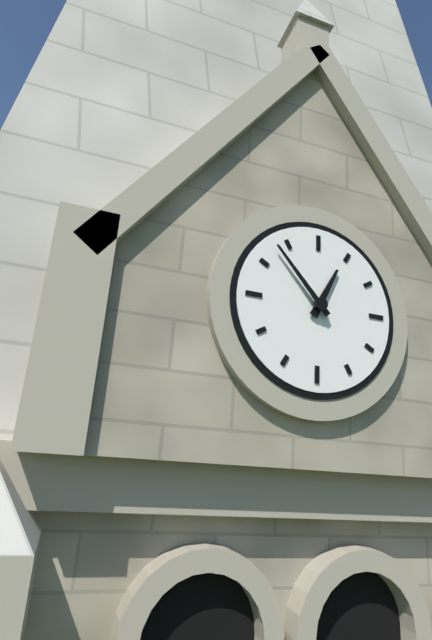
12:53
